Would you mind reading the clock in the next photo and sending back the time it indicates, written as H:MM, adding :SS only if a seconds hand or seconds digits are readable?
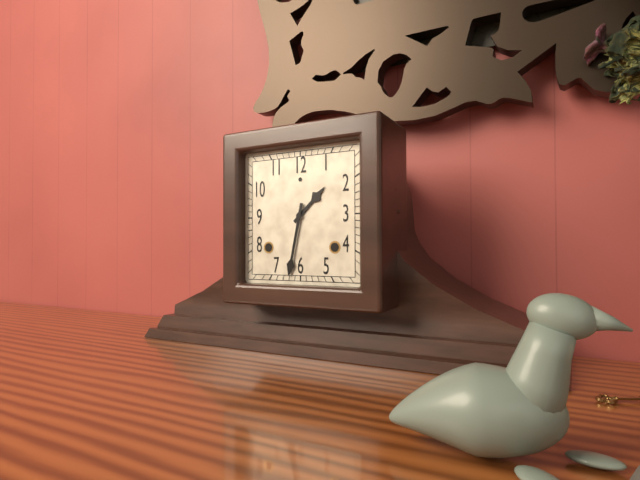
1:32
